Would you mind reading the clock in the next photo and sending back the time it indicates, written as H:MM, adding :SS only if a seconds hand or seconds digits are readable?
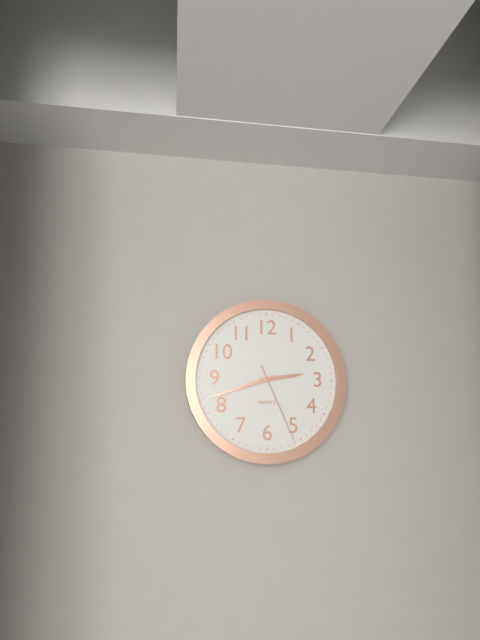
2:42:26
